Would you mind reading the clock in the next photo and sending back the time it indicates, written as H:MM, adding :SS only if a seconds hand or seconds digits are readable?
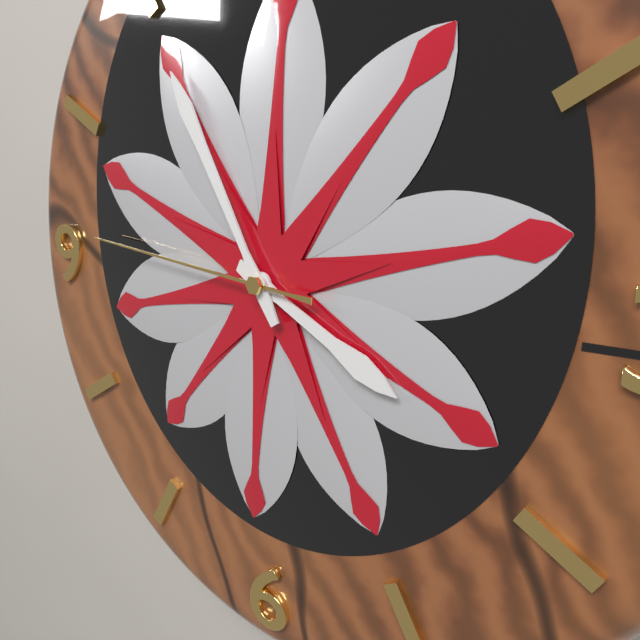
3:55:46
